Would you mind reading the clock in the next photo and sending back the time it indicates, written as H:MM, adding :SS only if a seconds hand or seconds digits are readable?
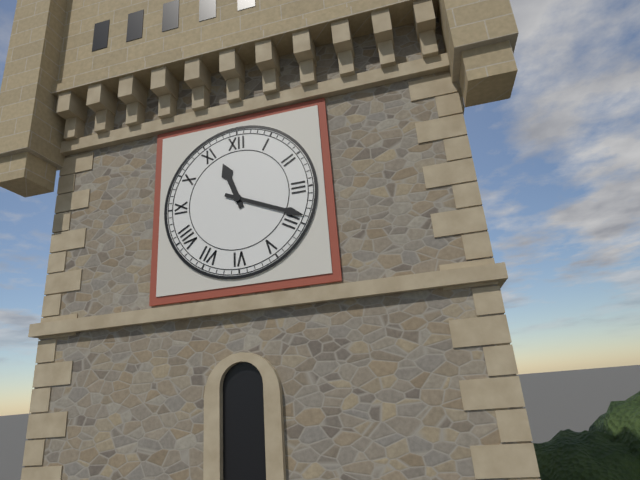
11:19
